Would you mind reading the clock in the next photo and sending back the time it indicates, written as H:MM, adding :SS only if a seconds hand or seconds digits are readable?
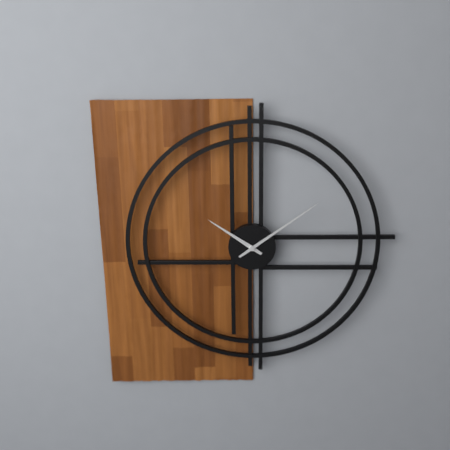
10:09
